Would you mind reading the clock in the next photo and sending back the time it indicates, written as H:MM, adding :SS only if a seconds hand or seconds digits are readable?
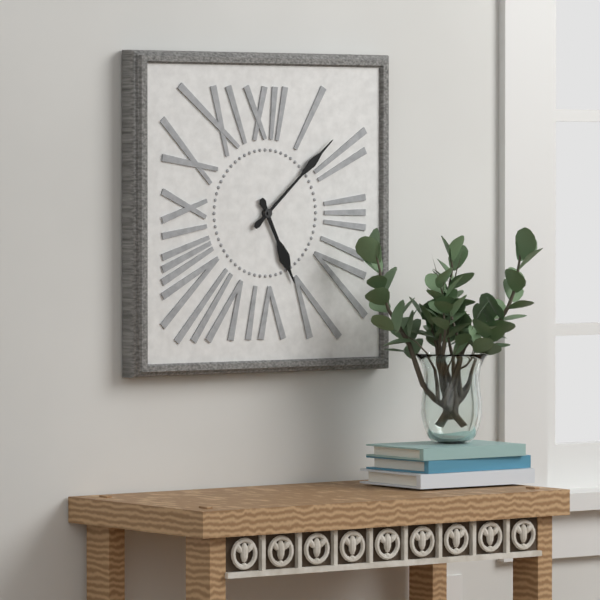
5:08
